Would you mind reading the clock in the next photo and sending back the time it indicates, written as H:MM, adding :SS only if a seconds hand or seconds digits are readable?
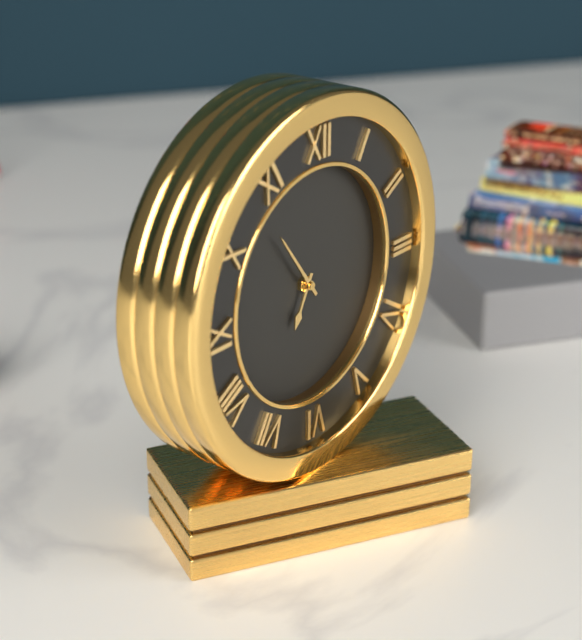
6:54
